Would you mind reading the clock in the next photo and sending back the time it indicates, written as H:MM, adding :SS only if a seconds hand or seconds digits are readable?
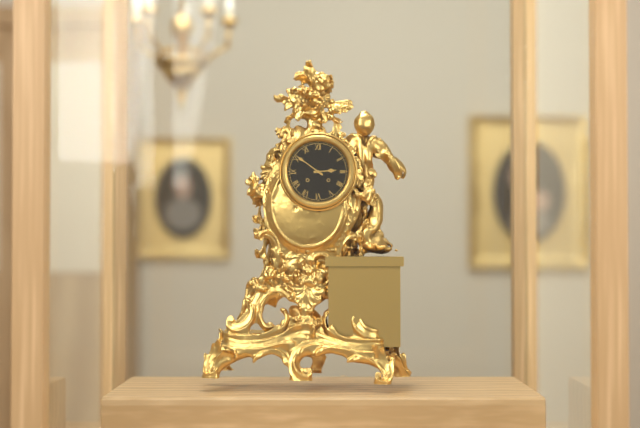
2:51
